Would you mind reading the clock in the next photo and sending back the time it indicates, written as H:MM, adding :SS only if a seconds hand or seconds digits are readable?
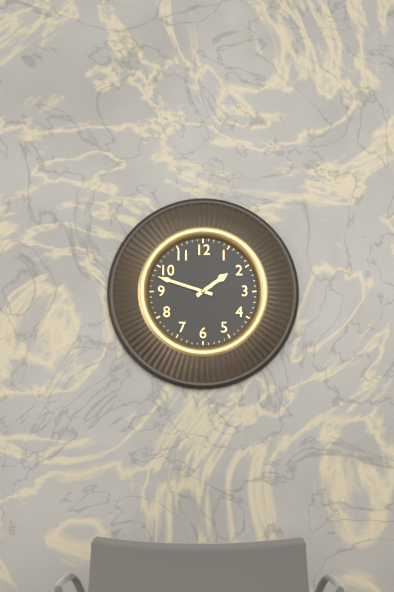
1:48
